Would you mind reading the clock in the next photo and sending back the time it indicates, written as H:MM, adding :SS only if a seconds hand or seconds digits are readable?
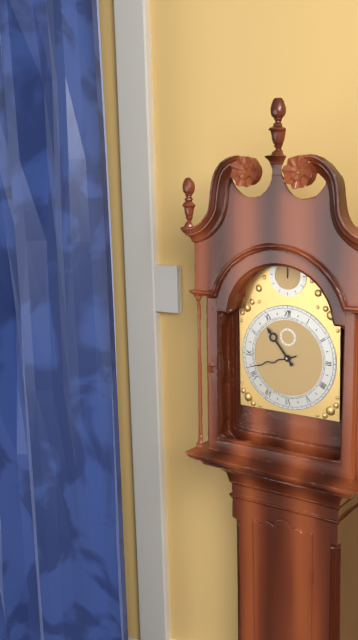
10:42
